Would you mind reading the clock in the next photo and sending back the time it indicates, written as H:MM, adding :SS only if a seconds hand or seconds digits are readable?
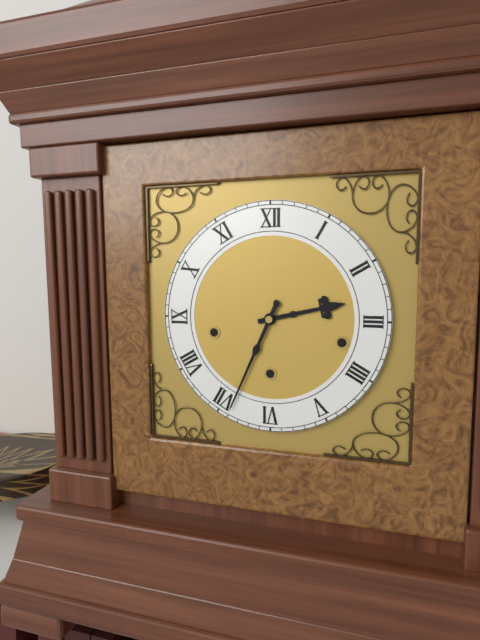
2:34
